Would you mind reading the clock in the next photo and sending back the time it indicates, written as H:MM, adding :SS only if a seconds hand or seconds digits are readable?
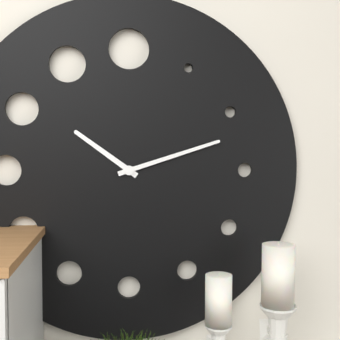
10:12
